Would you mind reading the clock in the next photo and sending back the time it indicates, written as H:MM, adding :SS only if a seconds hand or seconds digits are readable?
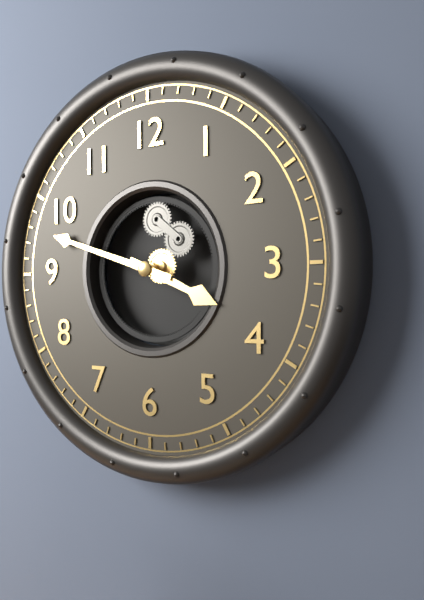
3:48
